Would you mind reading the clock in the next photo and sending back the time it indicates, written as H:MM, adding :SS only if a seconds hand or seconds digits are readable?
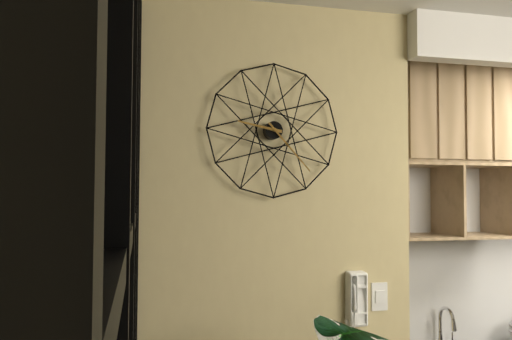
9:23
